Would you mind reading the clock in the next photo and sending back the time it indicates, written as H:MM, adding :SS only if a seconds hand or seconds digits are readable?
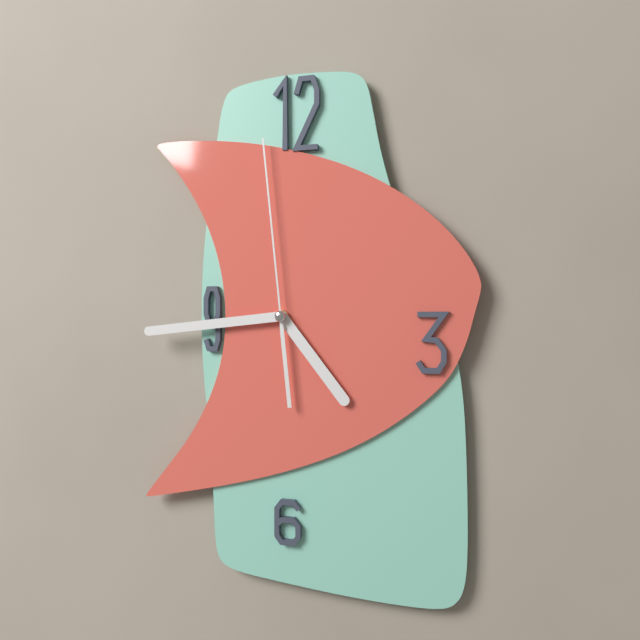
4:44:59
